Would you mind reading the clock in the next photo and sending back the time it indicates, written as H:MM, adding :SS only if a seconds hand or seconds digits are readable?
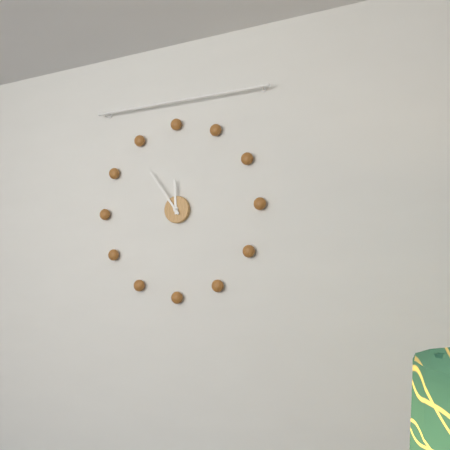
11:54
